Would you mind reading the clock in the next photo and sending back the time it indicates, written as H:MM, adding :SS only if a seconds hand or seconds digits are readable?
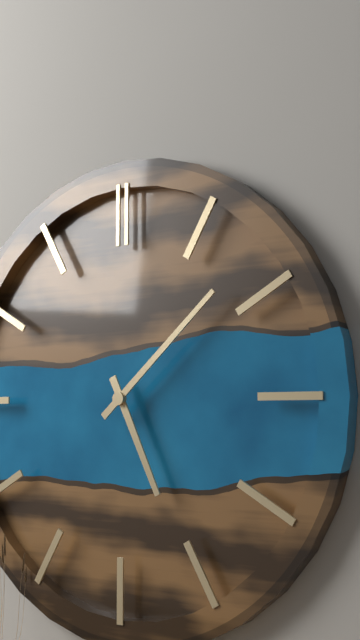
5:08
